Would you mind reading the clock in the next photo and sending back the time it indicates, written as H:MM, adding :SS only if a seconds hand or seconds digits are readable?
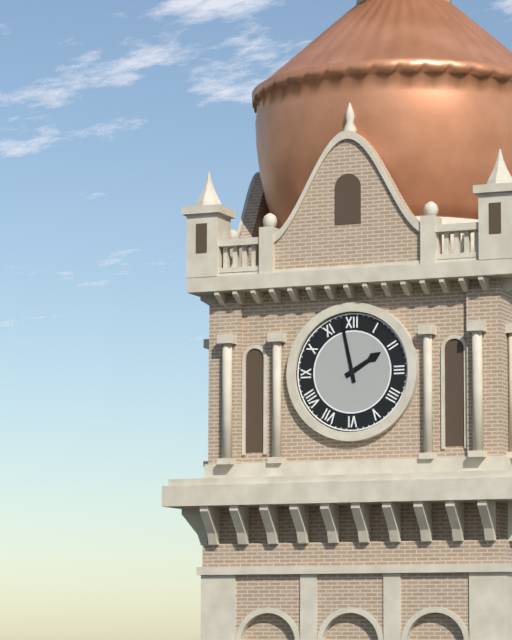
1:58
